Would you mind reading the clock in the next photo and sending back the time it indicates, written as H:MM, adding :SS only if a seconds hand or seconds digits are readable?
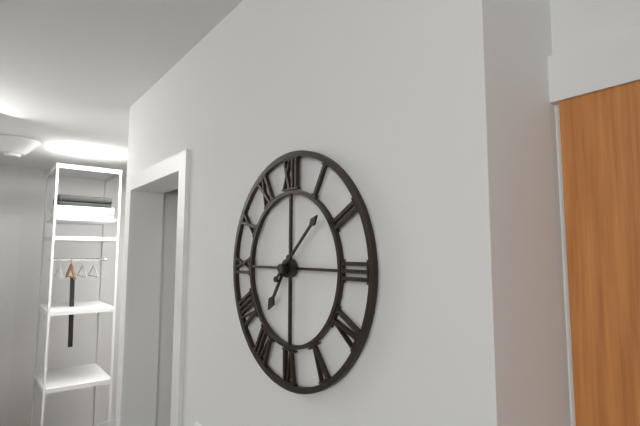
7:08
